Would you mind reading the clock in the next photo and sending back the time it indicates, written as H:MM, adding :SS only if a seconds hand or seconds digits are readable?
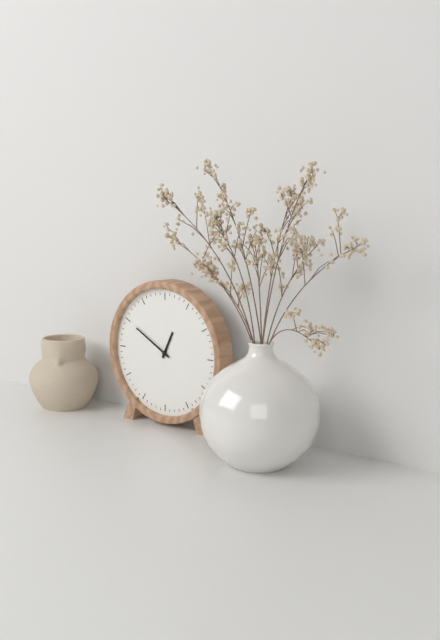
12:50
